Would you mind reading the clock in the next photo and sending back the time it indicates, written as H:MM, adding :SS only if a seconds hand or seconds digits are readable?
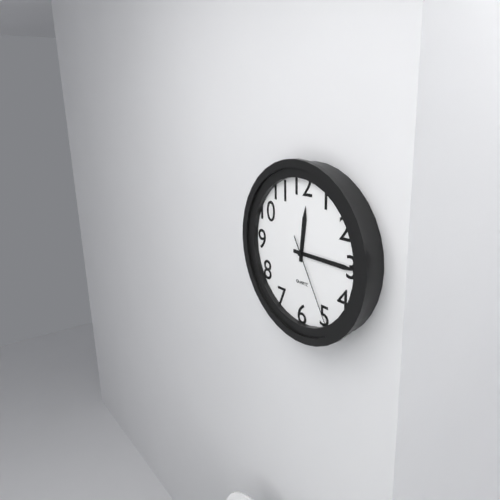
12:15:25
